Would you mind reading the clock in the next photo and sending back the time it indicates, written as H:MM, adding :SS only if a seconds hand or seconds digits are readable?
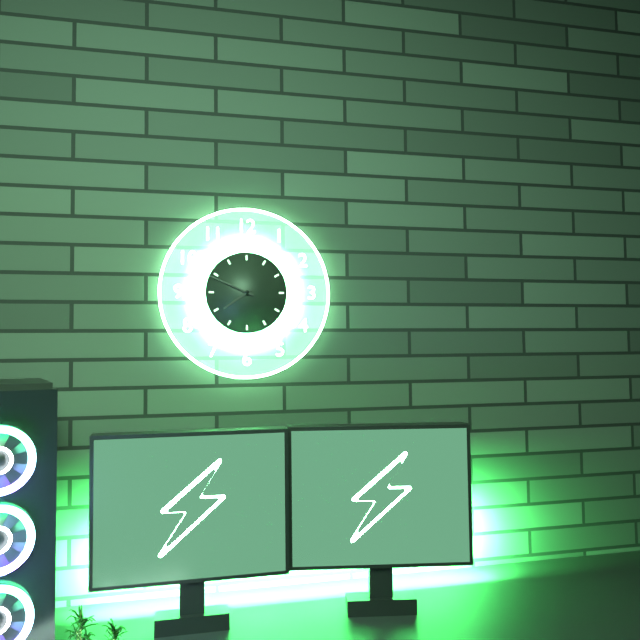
7:49
